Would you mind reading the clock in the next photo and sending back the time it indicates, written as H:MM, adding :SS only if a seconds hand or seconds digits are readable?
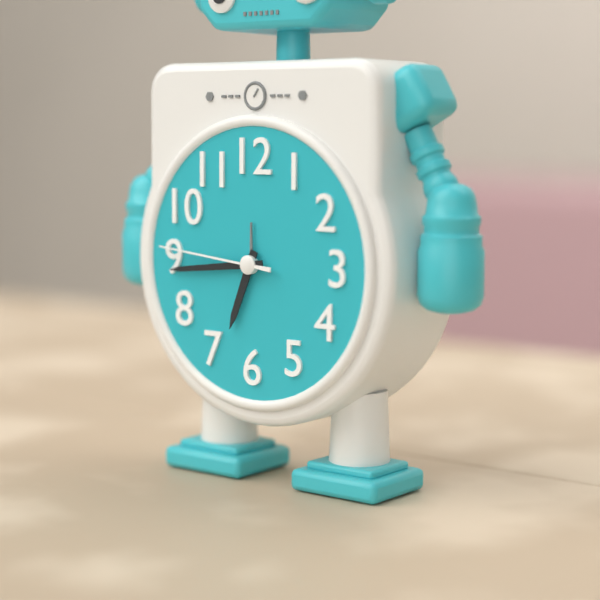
6:44:46
